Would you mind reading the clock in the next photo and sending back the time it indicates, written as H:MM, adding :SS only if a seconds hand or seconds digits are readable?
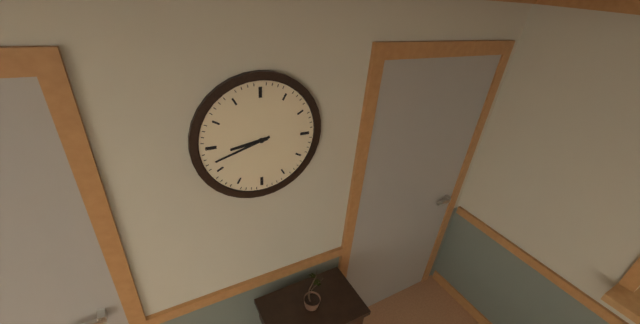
8:42
